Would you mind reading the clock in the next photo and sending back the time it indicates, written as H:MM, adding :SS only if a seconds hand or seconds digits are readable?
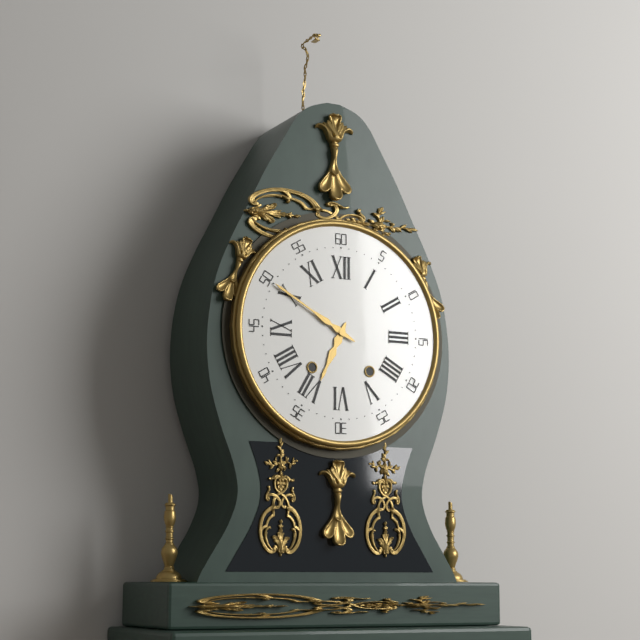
6:50
